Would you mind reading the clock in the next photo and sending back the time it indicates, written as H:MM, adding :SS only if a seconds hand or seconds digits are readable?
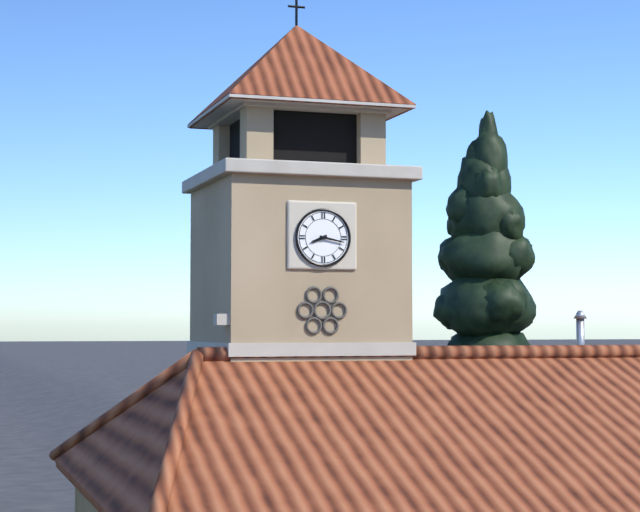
8:17
